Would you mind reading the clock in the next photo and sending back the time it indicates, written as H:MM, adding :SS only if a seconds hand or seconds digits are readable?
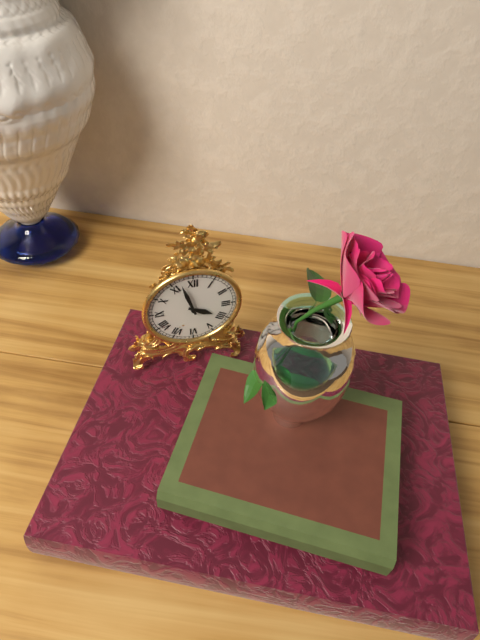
3:57
